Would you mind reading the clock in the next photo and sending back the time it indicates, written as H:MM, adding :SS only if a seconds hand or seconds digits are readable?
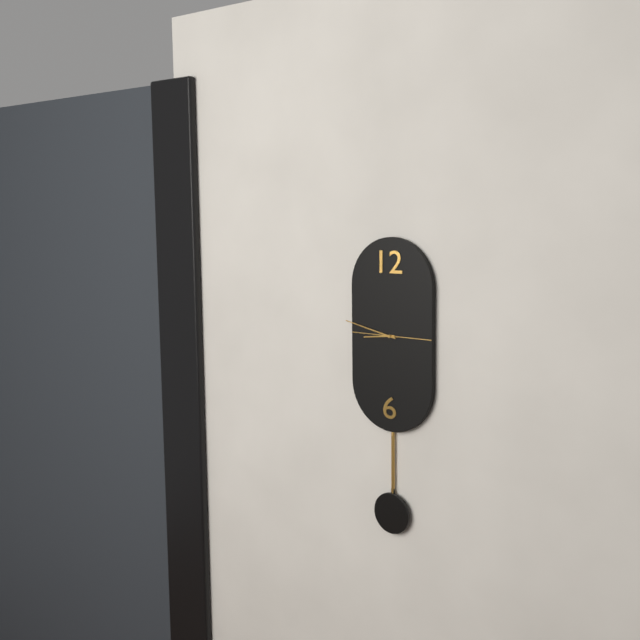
8:47
